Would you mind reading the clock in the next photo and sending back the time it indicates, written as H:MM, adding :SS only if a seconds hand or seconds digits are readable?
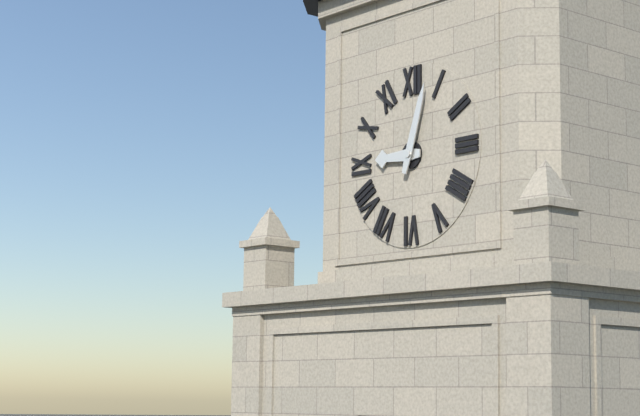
9:03
